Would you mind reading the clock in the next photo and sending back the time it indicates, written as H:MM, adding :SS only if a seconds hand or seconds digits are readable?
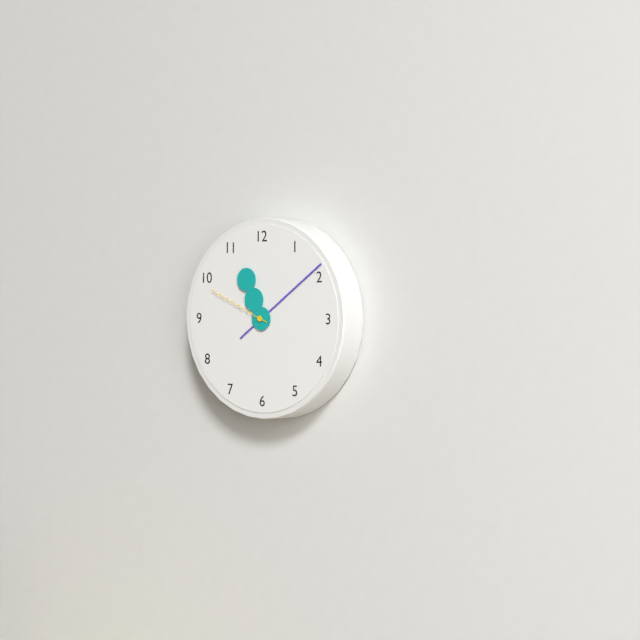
11:09:49
